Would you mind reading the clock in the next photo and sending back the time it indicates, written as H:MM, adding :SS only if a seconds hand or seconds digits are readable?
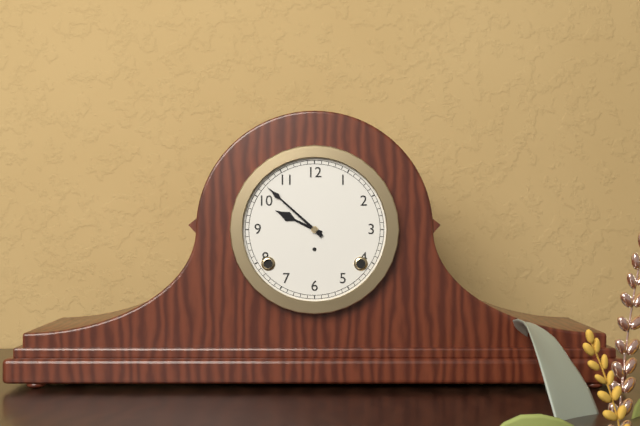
9:52
